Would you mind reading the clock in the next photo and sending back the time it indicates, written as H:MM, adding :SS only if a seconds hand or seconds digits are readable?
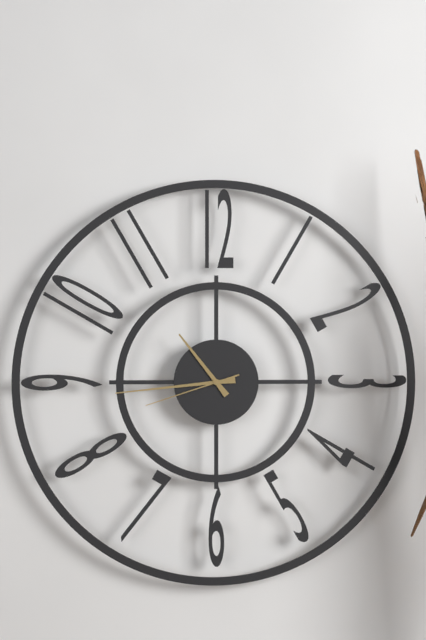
10:44:42
